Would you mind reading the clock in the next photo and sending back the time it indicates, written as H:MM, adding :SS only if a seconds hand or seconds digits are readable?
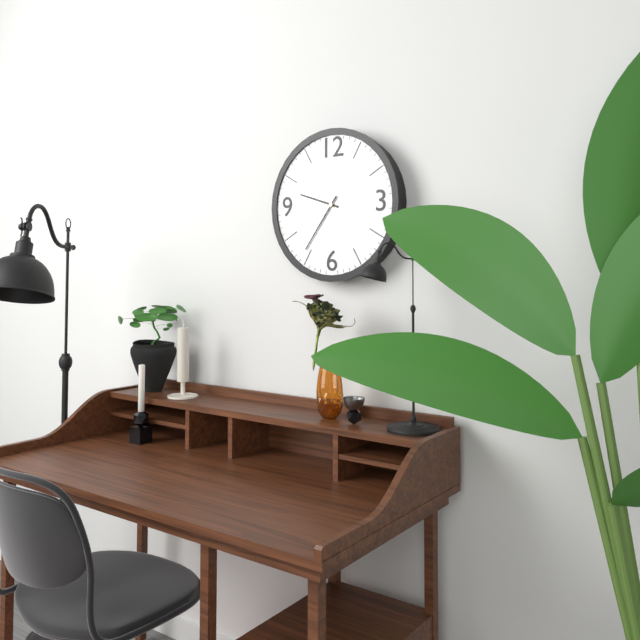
9:36
